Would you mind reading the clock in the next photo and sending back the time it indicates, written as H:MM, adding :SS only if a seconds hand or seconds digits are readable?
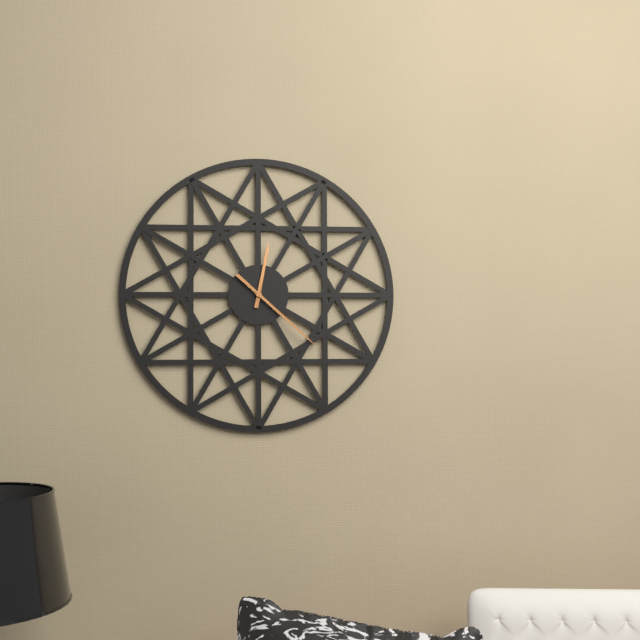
12:22
